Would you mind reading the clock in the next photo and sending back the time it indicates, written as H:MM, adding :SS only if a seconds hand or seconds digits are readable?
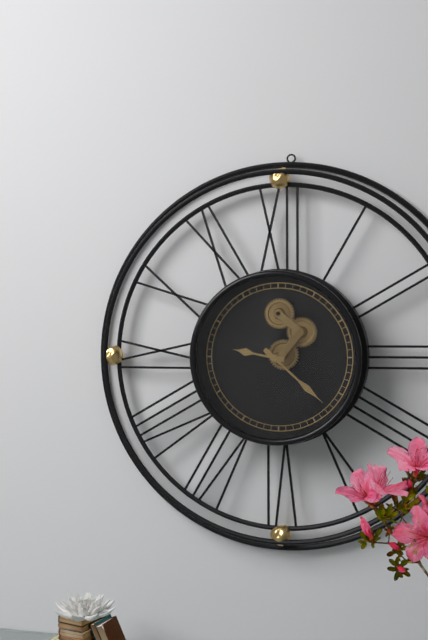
9:22
